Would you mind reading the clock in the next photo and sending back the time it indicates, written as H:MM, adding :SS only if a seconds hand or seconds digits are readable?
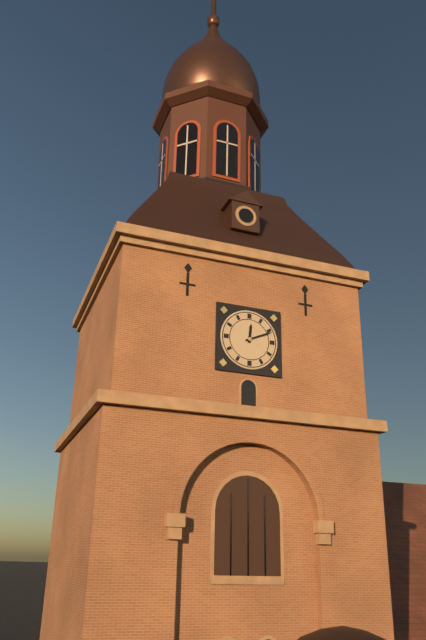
12:11
